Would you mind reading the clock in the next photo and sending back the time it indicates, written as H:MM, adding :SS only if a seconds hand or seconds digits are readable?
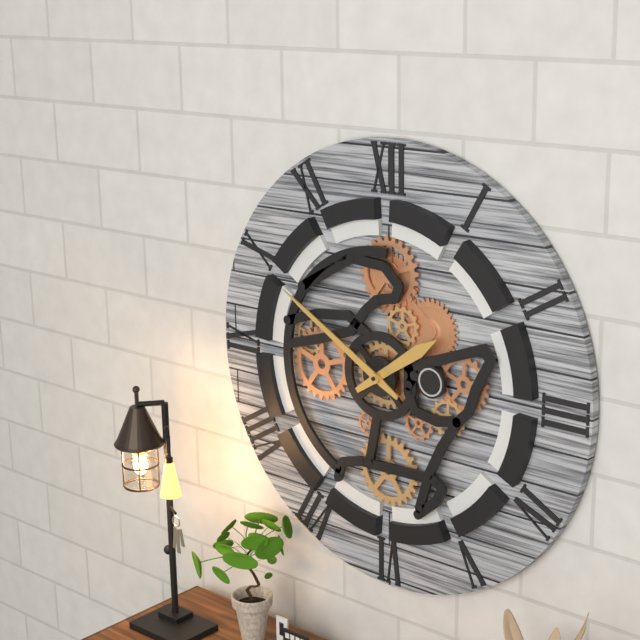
1:50
